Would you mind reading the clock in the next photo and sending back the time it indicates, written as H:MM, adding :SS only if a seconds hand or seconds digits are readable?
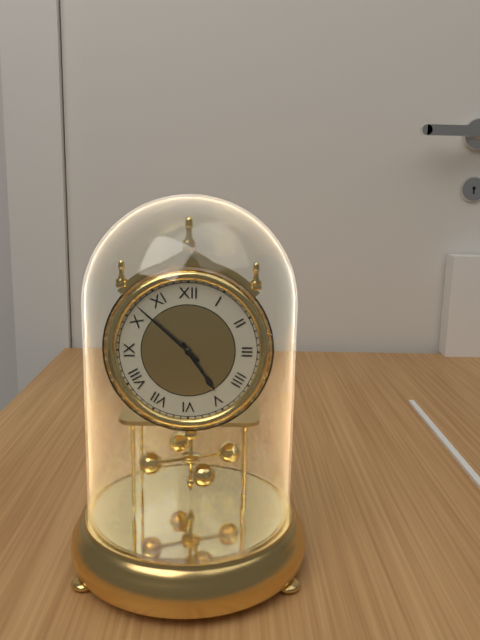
4:52
